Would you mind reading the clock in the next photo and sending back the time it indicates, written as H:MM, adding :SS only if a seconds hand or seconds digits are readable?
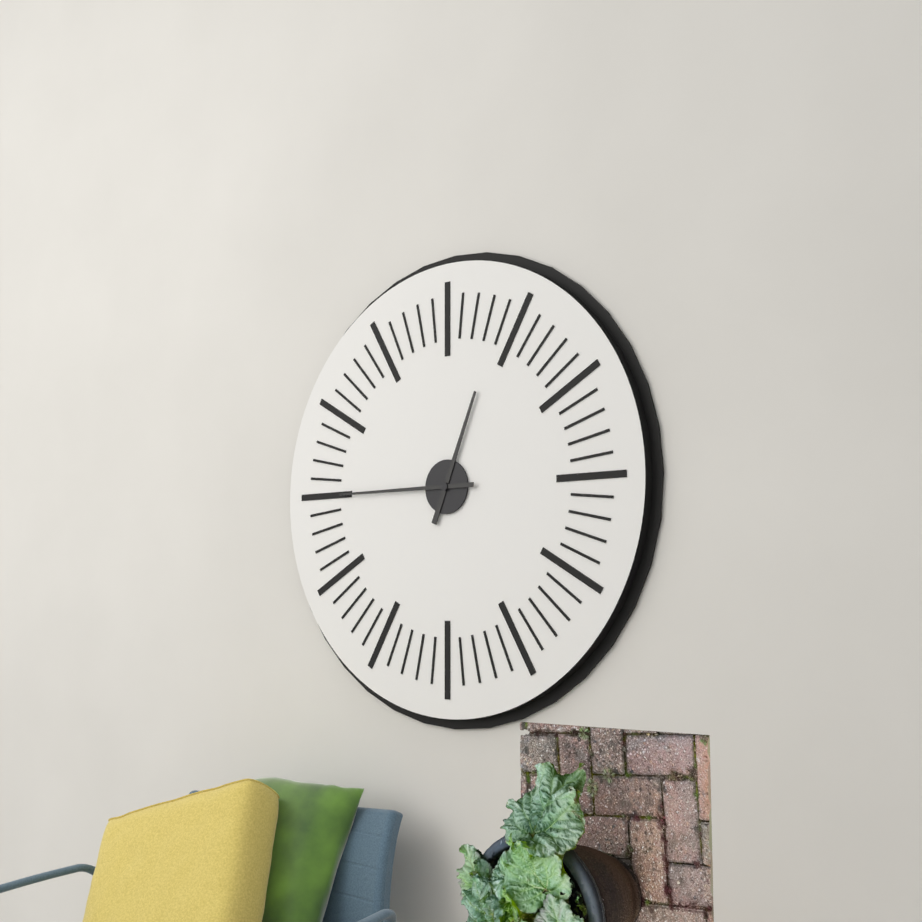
12:45
